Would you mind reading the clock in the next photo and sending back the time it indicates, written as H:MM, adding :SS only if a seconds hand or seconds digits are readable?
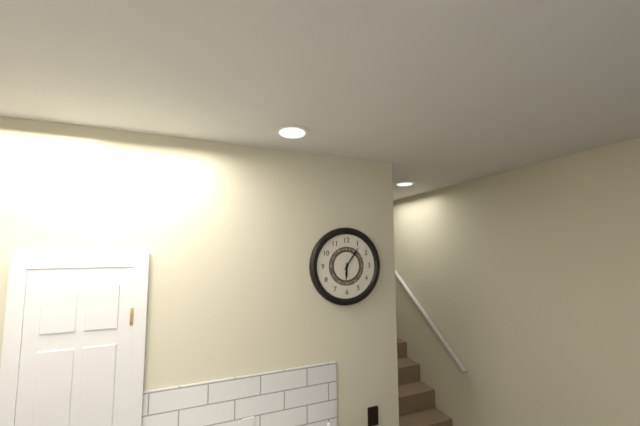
6:06
